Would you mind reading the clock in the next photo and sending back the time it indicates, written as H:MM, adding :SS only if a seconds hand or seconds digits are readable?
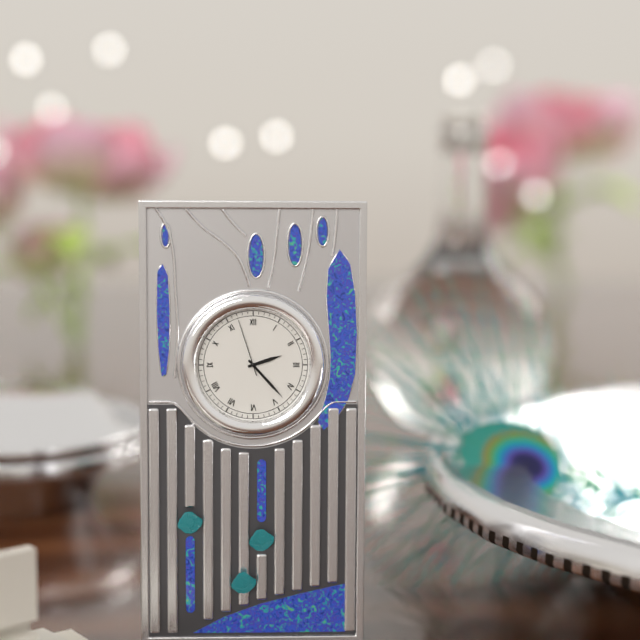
2:23:57
